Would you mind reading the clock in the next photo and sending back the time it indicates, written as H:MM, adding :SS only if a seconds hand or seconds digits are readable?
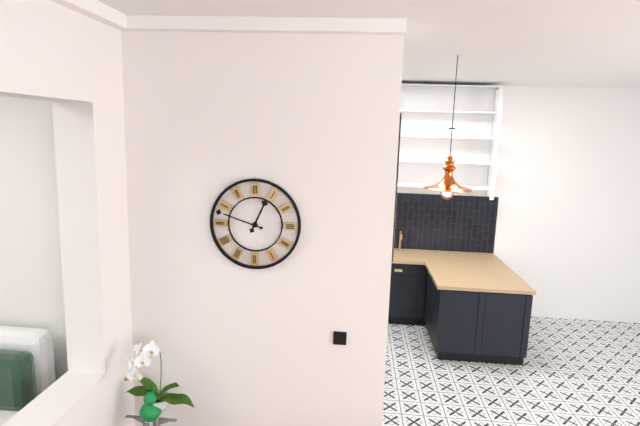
12:48
